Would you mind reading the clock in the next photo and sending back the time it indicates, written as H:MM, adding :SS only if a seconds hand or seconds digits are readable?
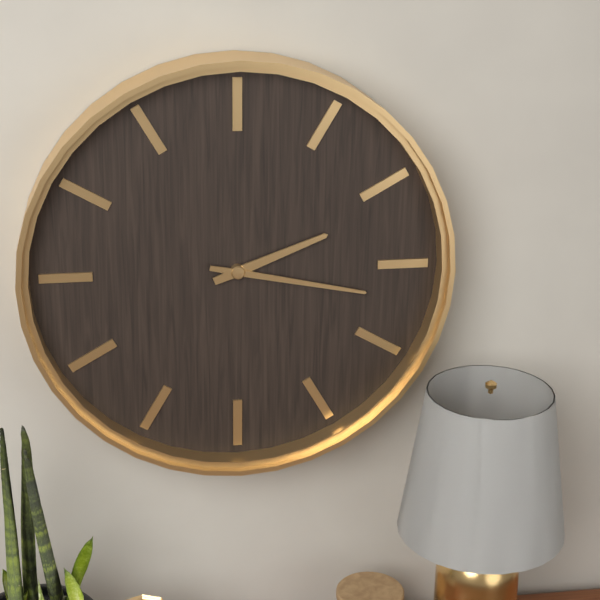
2:17
